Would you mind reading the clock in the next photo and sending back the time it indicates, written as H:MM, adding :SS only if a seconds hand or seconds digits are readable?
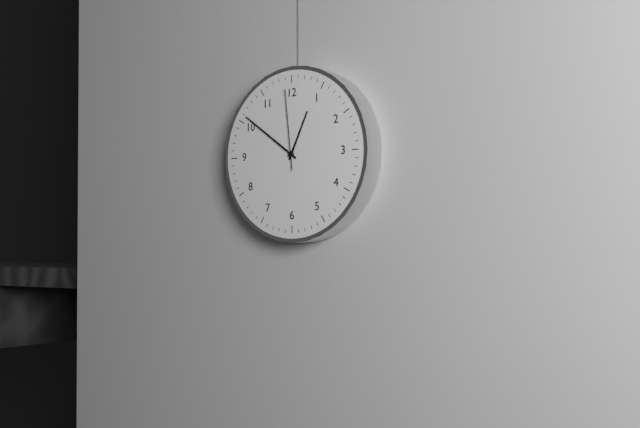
12:51:59
